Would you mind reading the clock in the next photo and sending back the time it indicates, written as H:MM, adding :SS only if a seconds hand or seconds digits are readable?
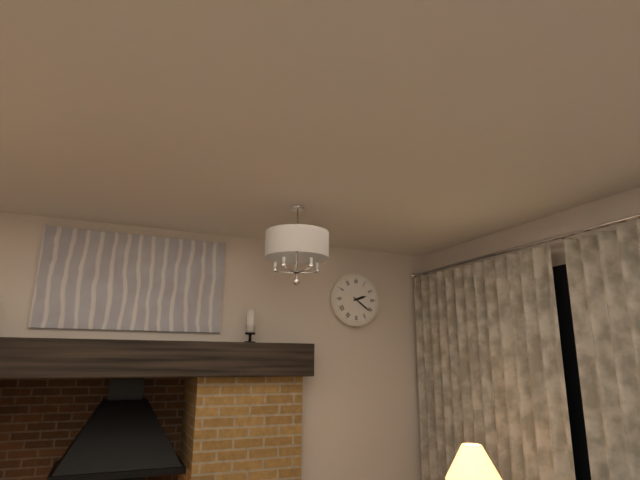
2:21
